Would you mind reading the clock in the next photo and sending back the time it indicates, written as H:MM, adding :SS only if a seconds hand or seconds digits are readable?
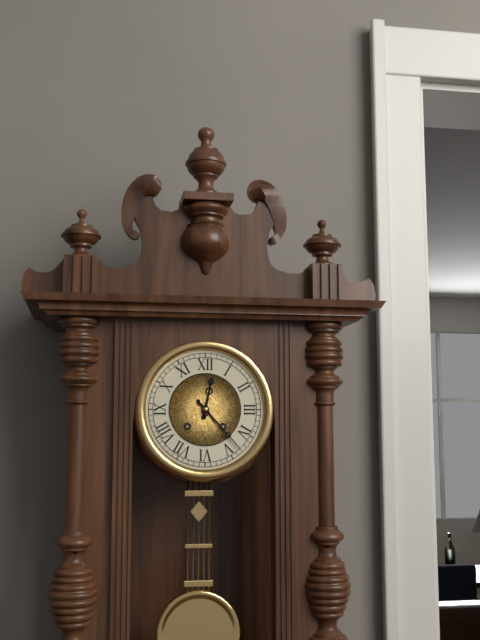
12:23
